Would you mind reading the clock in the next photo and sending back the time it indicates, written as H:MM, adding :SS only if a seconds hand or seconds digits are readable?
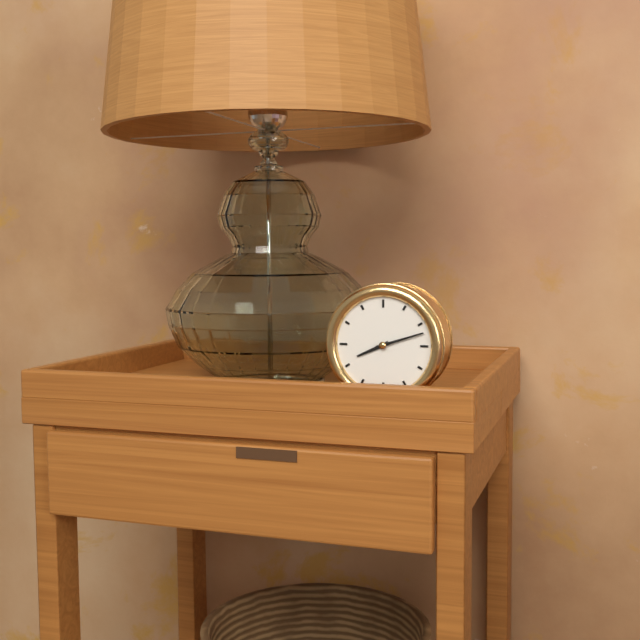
8:12
